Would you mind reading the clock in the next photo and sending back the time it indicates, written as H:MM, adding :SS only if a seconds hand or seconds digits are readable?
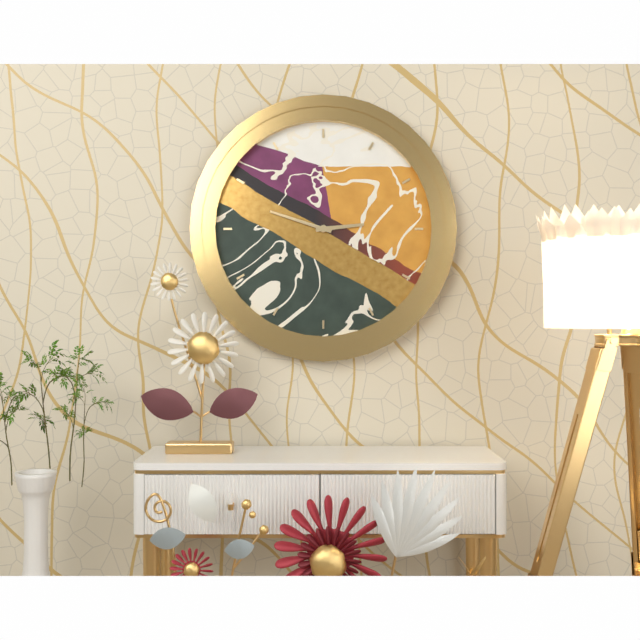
2:48
